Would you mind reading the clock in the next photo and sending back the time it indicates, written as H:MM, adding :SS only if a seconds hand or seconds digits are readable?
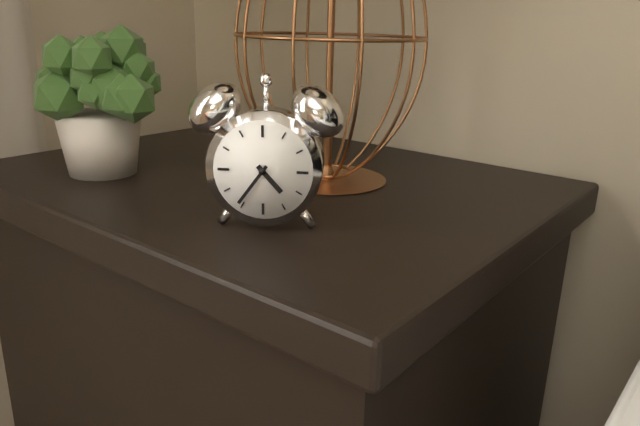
4:36
